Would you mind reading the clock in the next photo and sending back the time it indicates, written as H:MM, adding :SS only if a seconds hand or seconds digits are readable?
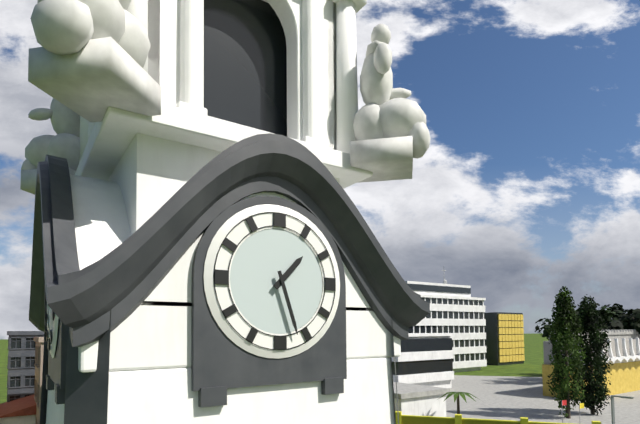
1:27
